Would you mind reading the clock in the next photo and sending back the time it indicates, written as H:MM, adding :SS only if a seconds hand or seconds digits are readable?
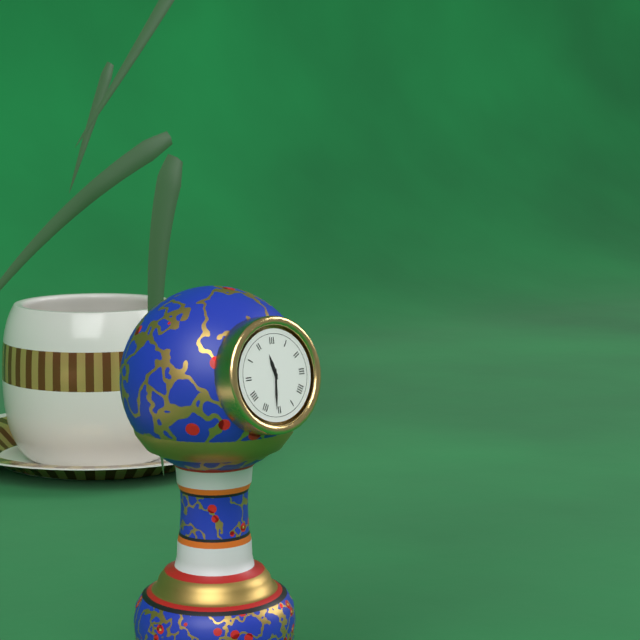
11:31
